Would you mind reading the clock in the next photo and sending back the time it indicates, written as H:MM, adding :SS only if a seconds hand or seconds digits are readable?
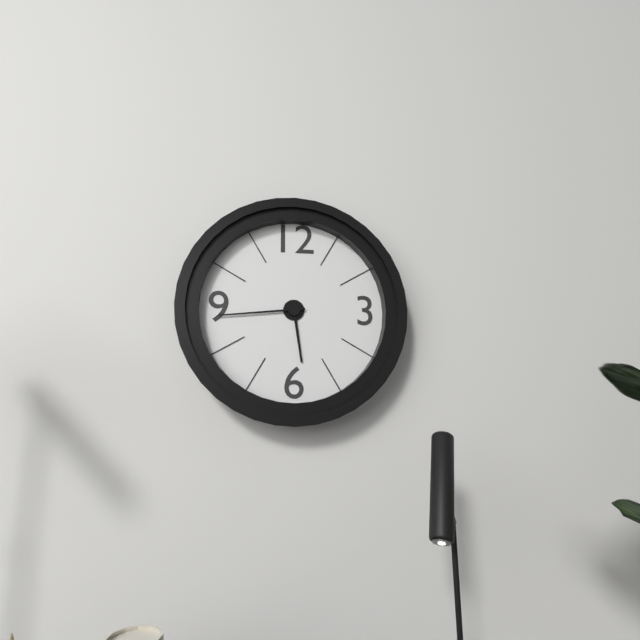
5:44
